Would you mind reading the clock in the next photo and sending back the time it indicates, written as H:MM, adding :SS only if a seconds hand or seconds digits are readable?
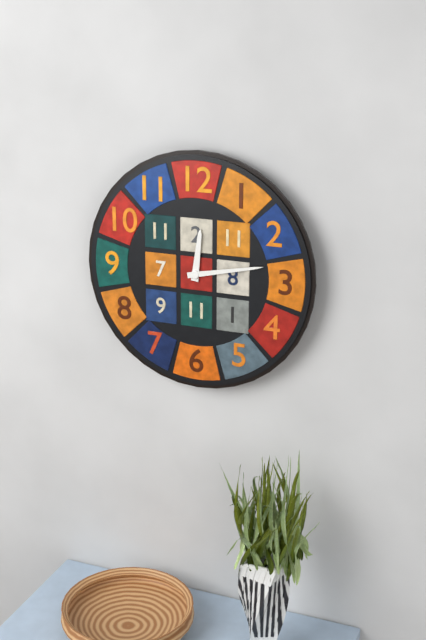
12:13
